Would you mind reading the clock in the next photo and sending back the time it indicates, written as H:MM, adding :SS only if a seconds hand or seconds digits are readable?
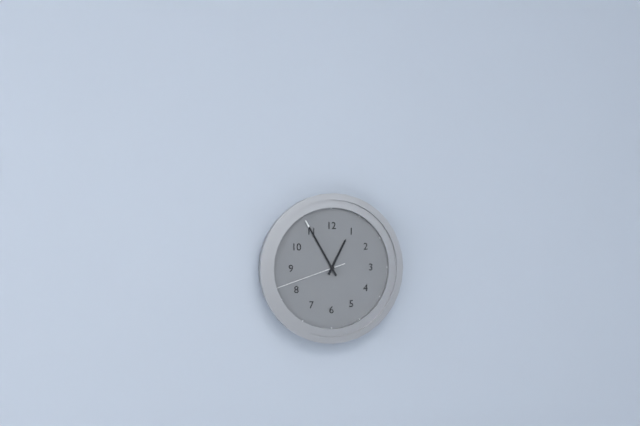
12:55:42
